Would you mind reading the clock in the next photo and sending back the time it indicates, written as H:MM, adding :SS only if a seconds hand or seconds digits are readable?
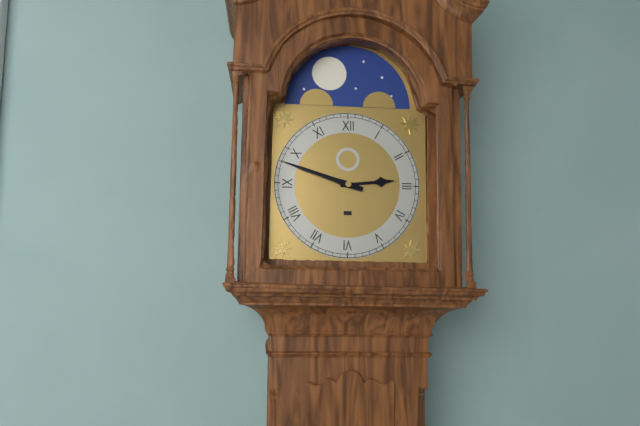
2:48
